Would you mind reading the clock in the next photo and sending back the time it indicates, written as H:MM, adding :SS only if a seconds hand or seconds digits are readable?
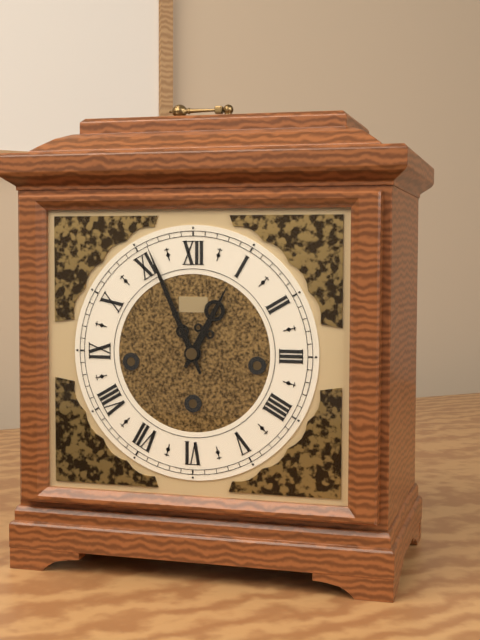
12:56
